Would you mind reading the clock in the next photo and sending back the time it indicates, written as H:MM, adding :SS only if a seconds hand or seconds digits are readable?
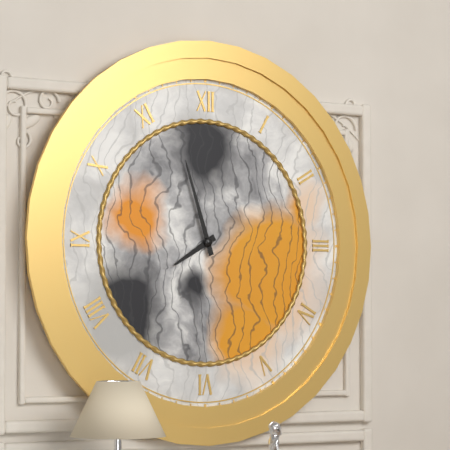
7:57
